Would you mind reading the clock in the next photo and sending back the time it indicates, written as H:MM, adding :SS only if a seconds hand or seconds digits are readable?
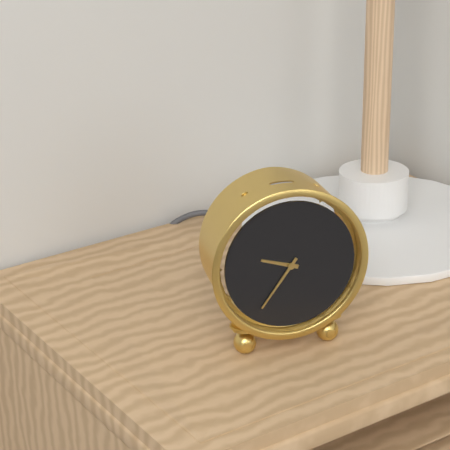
9:36
